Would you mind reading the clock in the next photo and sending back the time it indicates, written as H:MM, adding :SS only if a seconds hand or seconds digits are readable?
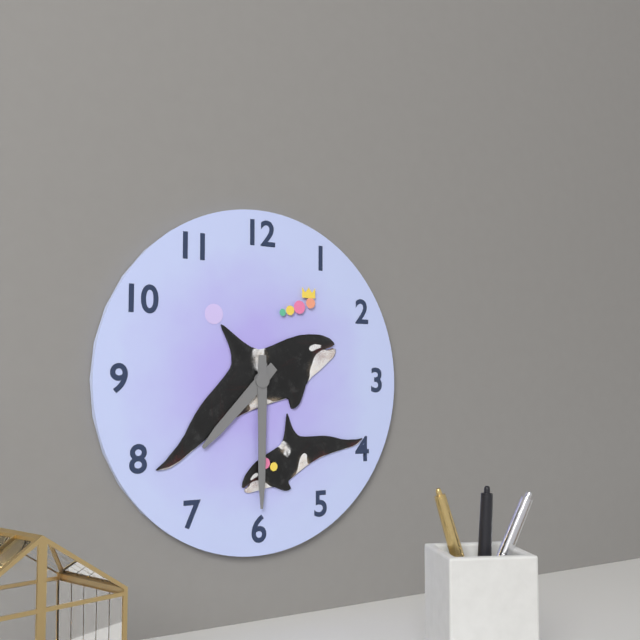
7:30
